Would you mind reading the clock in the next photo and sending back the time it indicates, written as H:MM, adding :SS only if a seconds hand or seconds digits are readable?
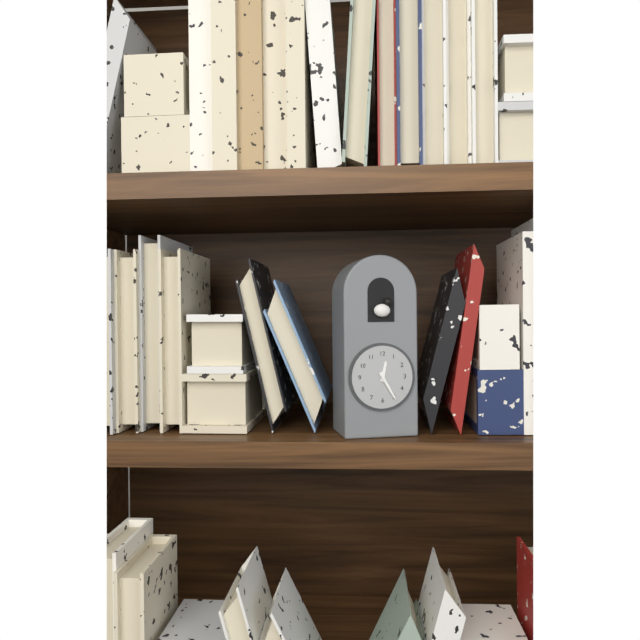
12:25
